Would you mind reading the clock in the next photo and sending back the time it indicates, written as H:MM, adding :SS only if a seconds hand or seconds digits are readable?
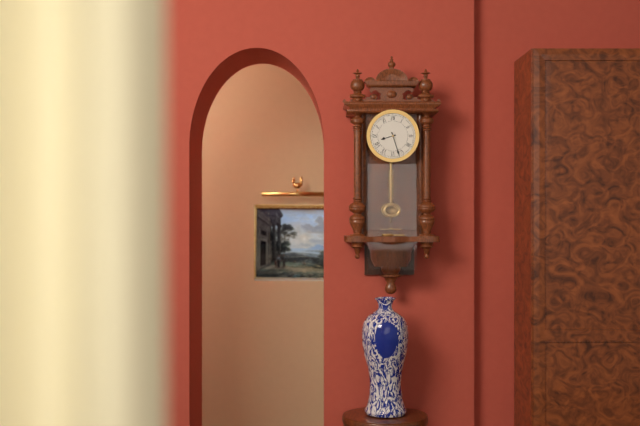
8:27
